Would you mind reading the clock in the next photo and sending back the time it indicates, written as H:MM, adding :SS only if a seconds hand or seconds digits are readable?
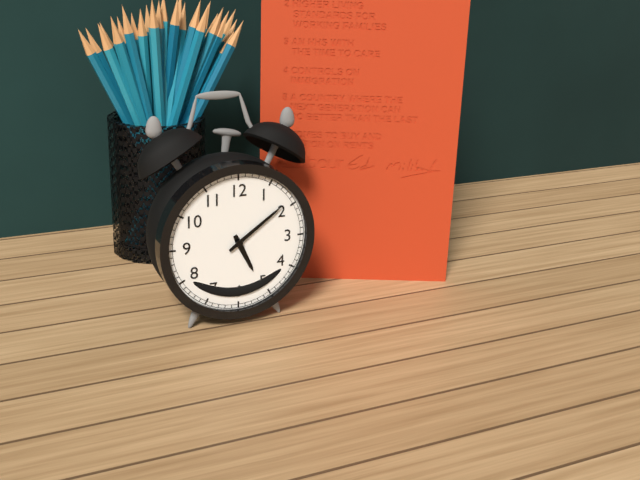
5:09
